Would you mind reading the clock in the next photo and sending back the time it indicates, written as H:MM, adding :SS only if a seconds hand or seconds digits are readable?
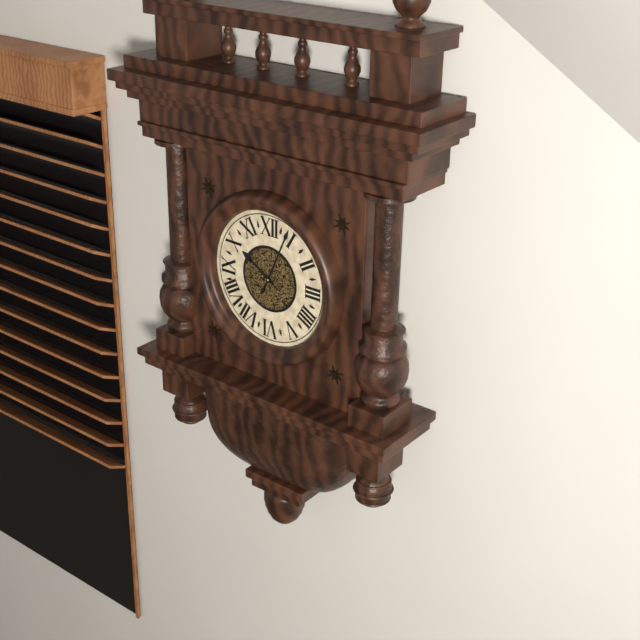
10:04
